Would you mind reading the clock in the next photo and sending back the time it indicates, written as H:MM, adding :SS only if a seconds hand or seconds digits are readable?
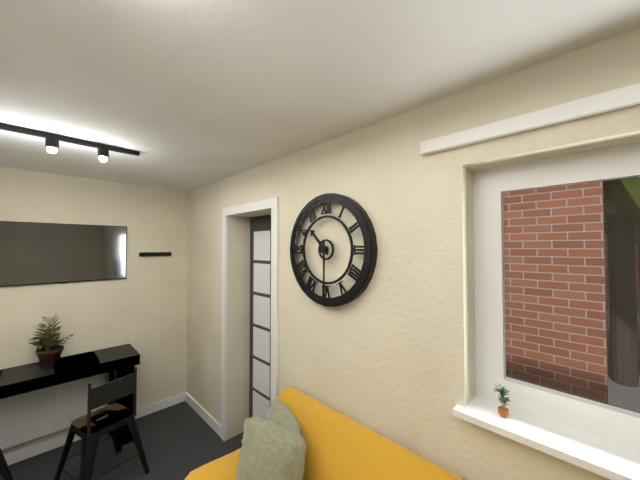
10:30
